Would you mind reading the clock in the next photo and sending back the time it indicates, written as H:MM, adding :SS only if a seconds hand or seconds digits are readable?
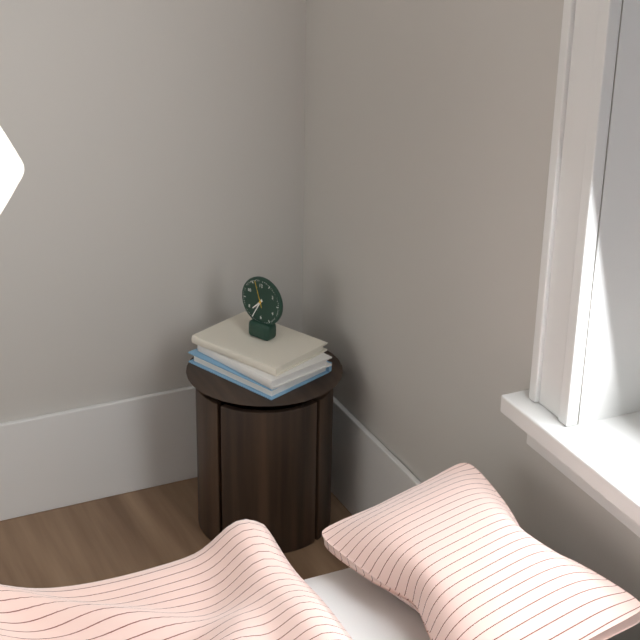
7:35
